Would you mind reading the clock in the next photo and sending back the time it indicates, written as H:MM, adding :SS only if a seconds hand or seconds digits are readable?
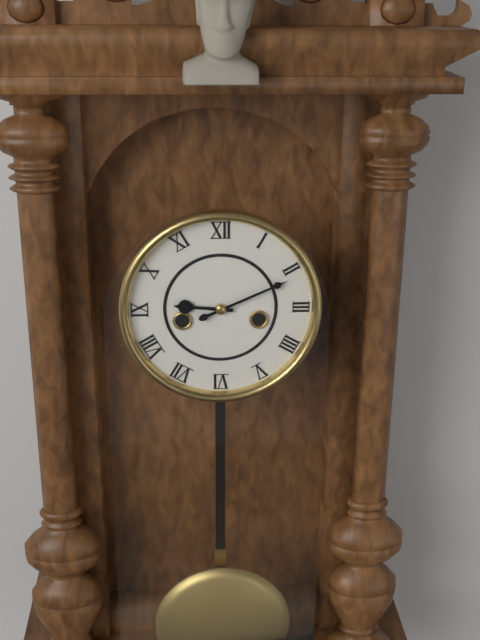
9:11
